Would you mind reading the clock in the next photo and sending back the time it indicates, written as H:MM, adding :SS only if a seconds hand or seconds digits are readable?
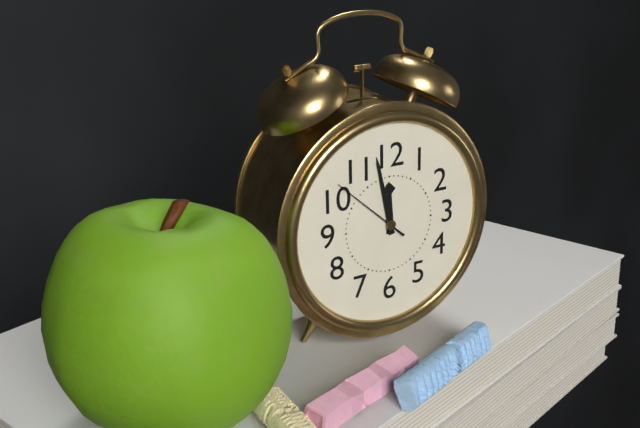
11:58:52
